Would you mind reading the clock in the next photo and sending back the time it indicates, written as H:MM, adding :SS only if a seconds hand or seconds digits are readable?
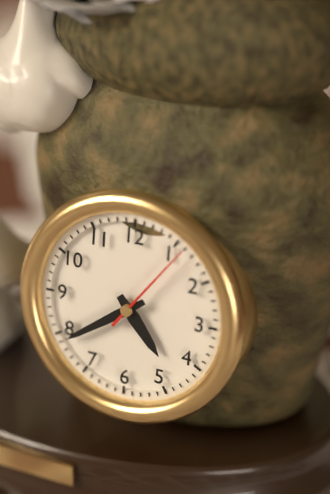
4:39:06
